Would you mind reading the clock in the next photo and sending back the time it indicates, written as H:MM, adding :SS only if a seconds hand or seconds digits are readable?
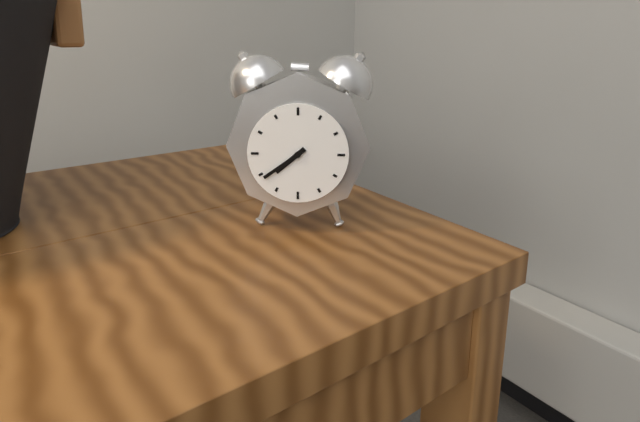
7:39
